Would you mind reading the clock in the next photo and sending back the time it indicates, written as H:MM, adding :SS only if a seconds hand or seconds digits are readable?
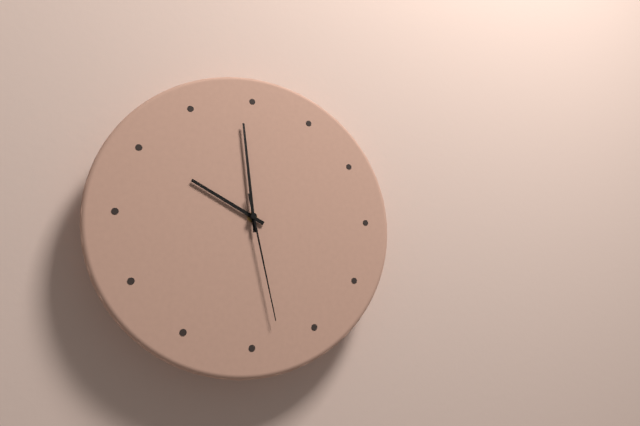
9:59:28
